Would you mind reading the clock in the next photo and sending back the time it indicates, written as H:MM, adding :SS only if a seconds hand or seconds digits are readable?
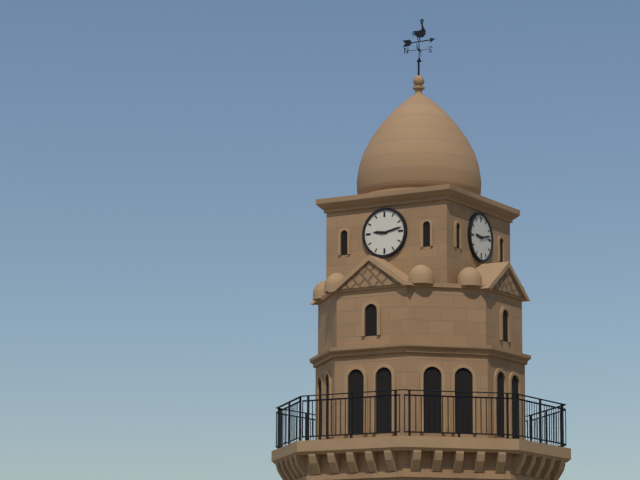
9:13
